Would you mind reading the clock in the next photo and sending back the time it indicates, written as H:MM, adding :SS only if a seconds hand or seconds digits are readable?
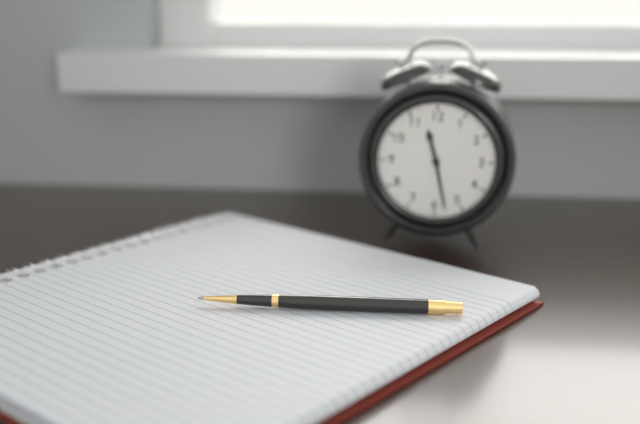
11:28
